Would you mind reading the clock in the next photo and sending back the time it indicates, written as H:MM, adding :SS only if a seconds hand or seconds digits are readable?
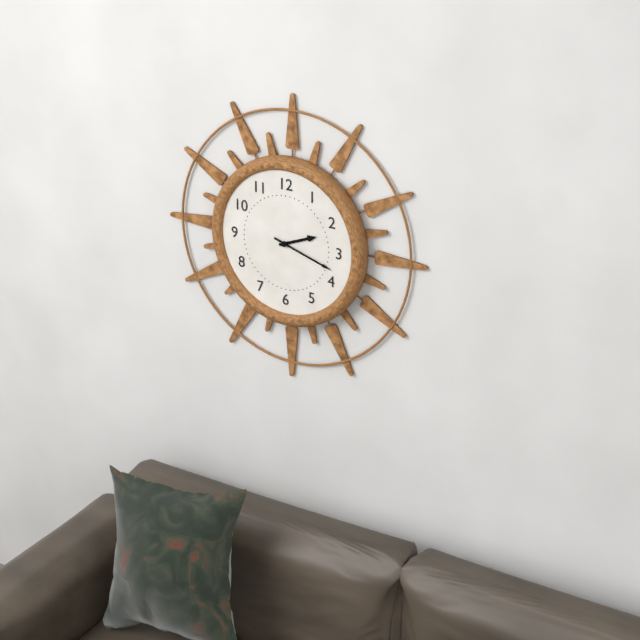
2:18
